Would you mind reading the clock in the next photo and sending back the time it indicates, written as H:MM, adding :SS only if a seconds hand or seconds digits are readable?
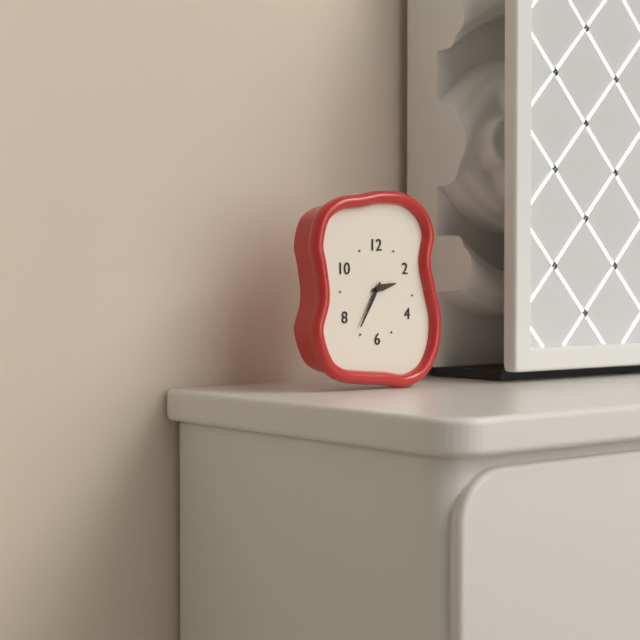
2:35
